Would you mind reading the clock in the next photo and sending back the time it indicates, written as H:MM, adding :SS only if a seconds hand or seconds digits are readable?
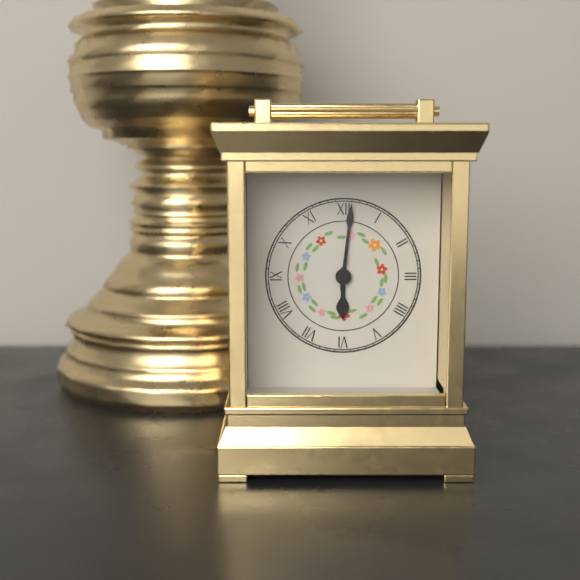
6:01
